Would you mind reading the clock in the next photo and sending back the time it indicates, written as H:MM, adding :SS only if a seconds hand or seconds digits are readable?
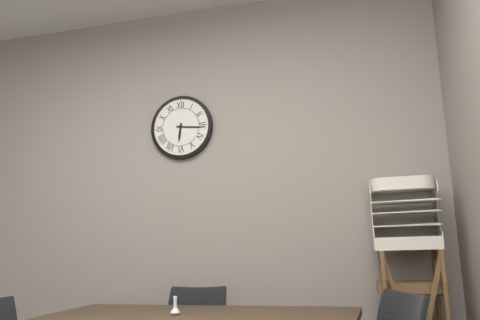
6:16
